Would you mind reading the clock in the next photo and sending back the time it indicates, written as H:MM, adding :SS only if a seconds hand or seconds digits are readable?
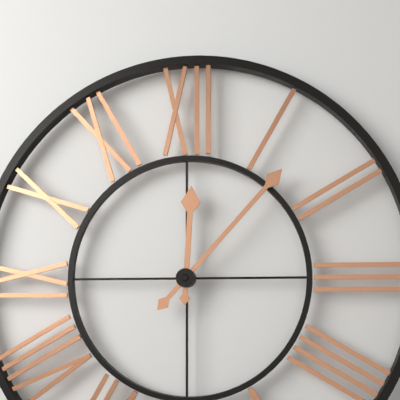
12:07
